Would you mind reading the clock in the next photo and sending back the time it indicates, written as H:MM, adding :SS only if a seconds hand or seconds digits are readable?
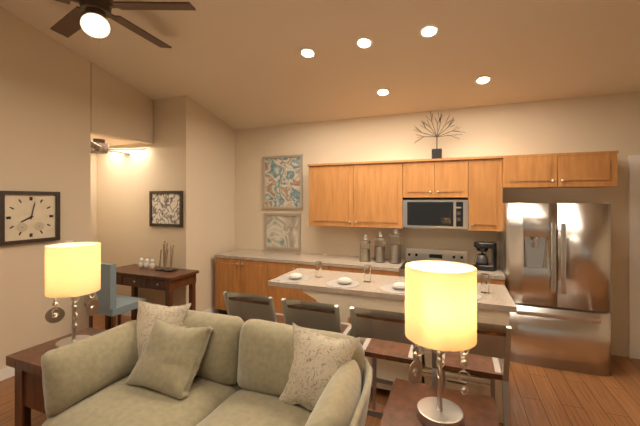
8:02
